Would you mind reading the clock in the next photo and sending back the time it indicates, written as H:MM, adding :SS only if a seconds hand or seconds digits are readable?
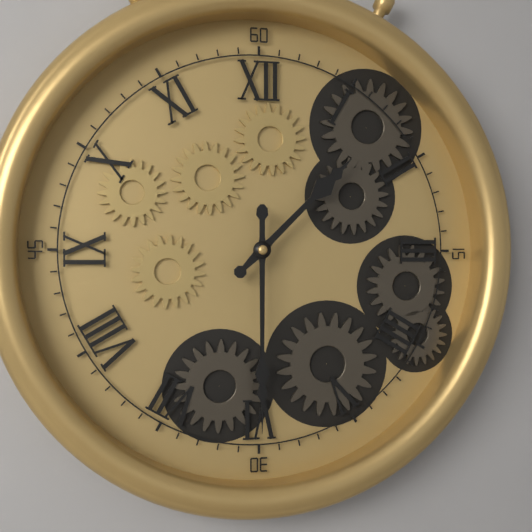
1:30
